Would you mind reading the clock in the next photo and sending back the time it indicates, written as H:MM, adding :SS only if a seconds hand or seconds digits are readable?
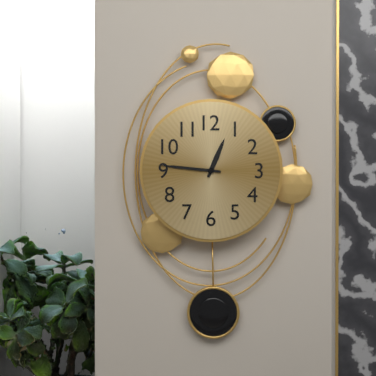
12:46
